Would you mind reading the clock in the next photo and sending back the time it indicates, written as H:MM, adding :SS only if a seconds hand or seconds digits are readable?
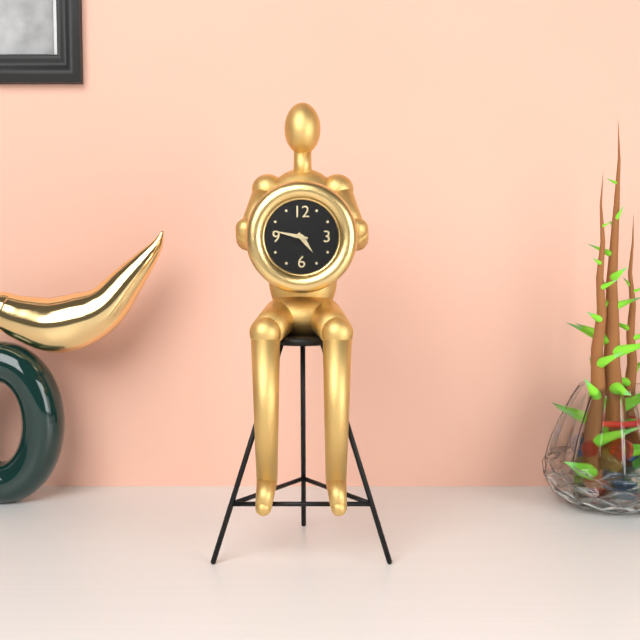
4:47
